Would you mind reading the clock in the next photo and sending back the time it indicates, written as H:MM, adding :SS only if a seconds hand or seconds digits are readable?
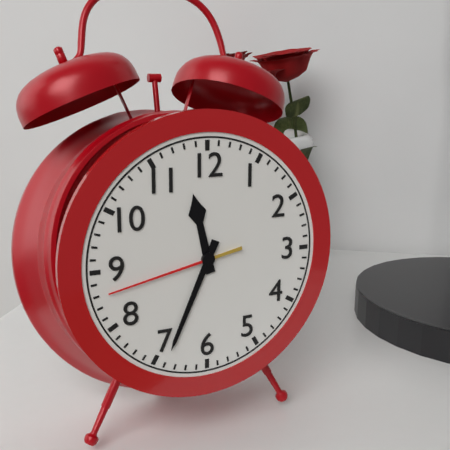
11:34:43
